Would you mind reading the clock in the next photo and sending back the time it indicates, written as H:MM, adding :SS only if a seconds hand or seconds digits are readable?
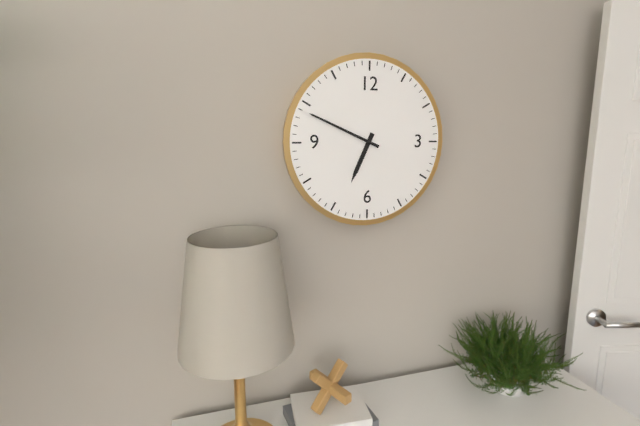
6:49
